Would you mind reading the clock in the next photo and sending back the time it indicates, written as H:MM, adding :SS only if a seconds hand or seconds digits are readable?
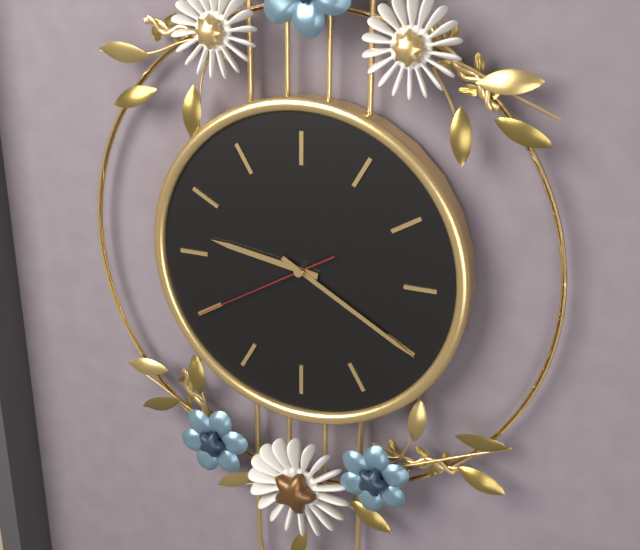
9:20:40
